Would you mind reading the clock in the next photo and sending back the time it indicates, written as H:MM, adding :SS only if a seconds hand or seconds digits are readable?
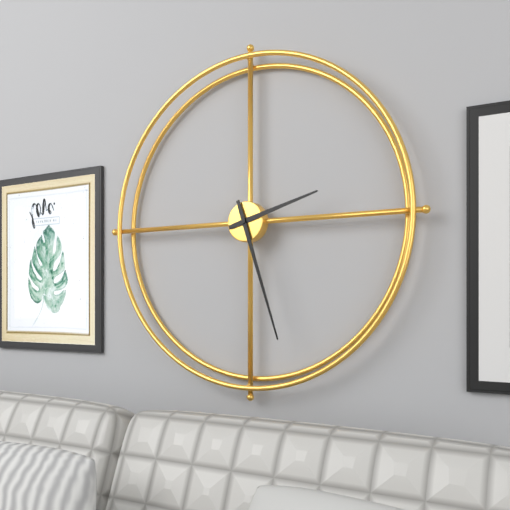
2:27
